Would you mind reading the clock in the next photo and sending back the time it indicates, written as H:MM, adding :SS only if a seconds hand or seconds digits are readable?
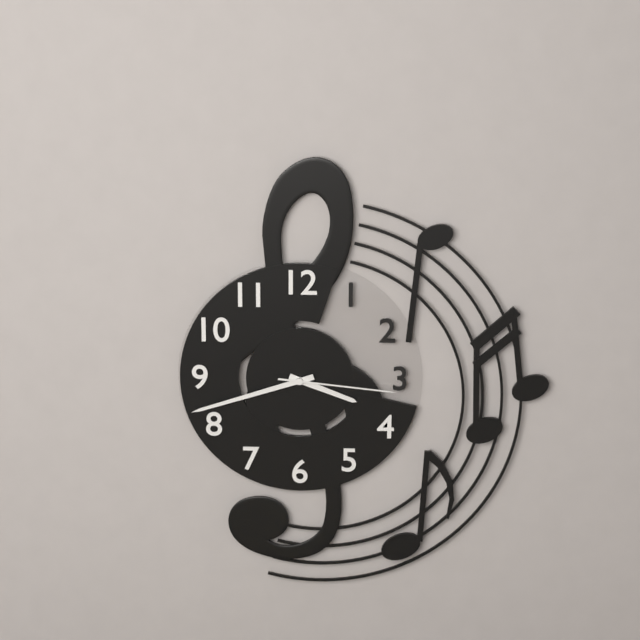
3:42:16
